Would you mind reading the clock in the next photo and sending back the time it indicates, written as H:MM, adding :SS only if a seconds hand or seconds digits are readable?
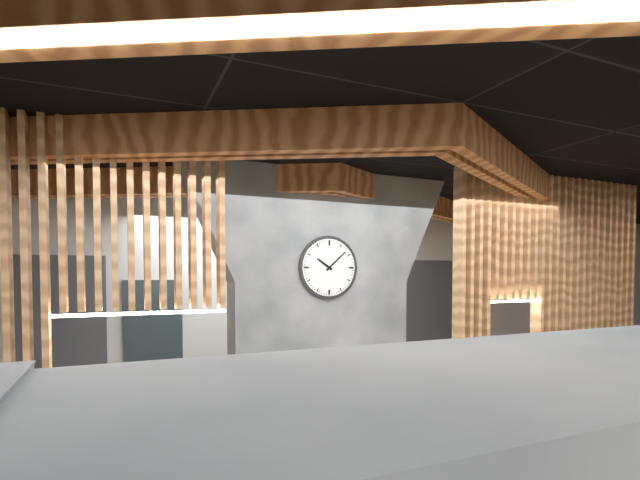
10:08
